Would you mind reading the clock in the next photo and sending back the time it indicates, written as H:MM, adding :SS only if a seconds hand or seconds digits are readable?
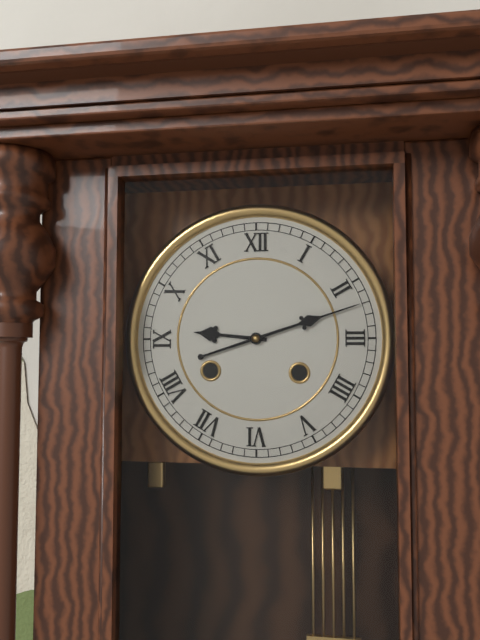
9:12
